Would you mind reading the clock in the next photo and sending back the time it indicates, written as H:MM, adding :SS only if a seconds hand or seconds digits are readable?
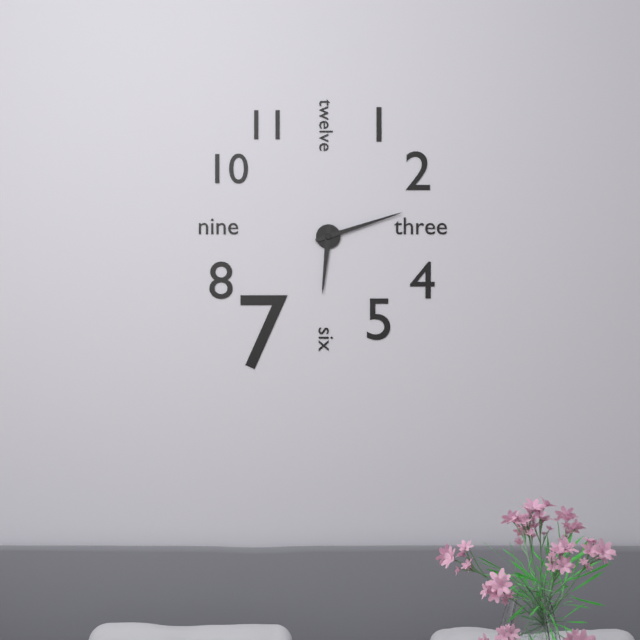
6:12
